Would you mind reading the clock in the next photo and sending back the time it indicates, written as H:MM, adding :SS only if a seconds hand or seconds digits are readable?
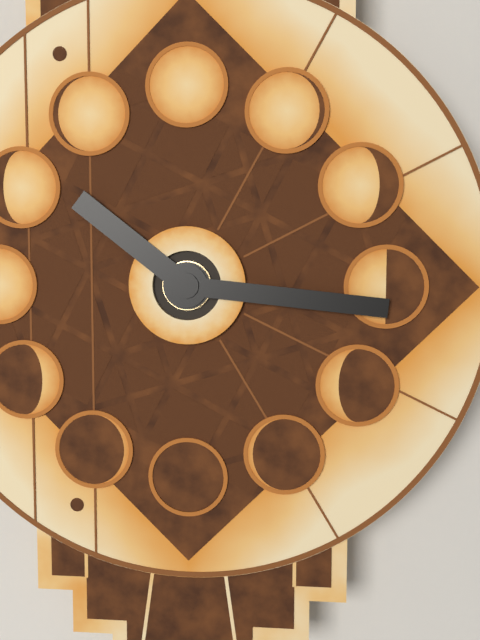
10:16
